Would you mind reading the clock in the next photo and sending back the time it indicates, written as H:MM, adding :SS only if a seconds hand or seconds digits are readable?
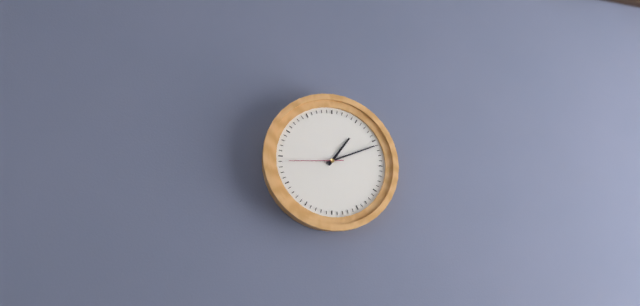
1:11:44
